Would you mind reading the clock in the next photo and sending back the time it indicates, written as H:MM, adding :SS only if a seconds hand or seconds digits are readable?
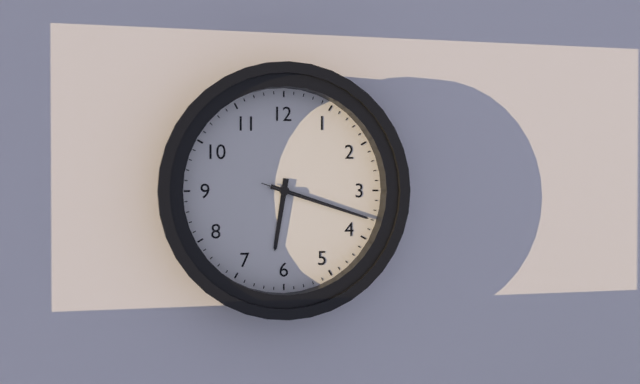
6:18:18
